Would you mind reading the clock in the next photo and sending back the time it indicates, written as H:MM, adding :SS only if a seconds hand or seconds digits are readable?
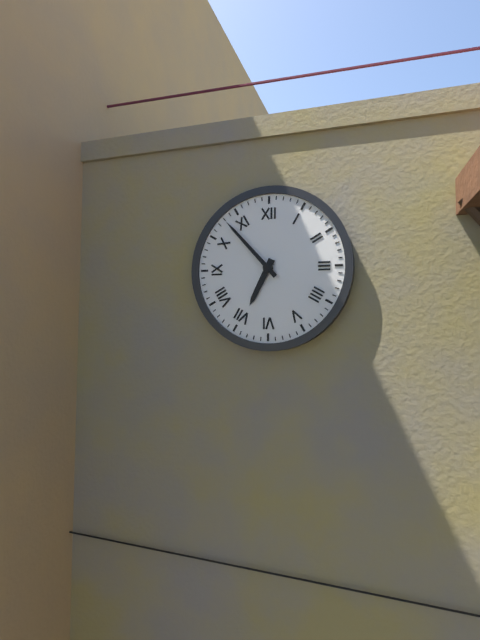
6:53
